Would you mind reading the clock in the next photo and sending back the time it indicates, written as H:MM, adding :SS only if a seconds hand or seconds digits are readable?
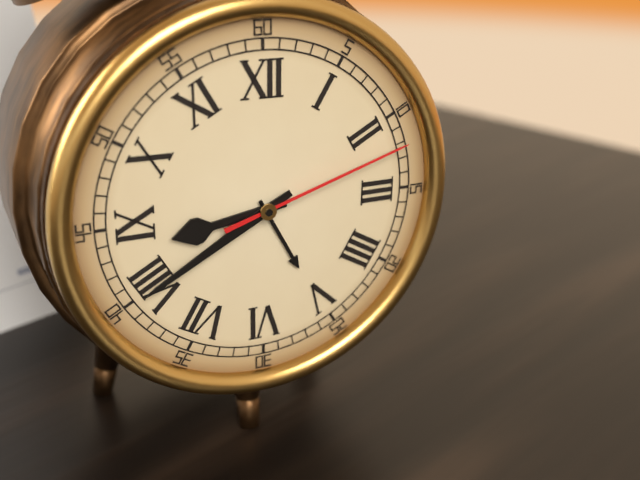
8:40:12
